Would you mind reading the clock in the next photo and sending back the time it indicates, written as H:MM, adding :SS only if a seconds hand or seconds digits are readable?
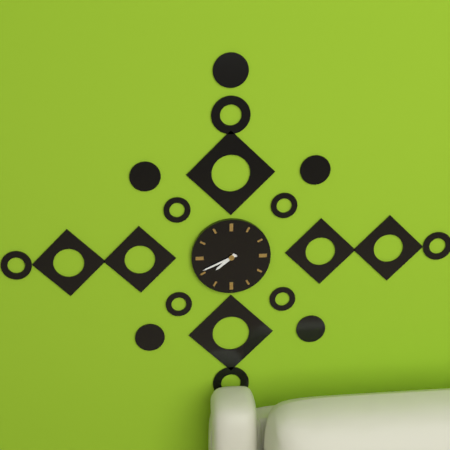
7:41
